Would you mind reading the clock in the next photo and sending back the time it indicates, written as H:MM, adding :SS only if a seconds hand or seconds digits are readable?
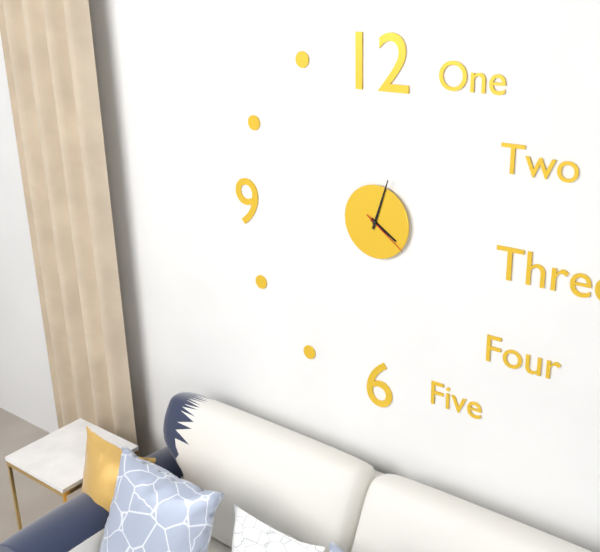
4:03:21
